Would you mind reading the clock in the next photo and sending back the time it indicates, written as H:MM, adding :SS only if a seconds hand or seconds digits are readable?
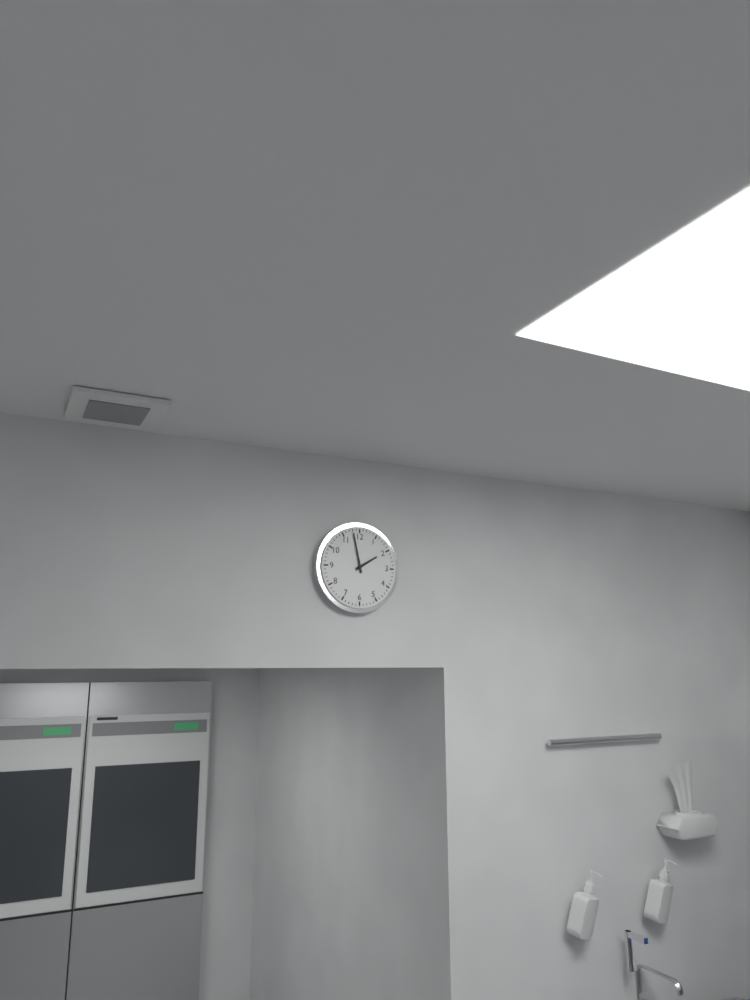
1:58
